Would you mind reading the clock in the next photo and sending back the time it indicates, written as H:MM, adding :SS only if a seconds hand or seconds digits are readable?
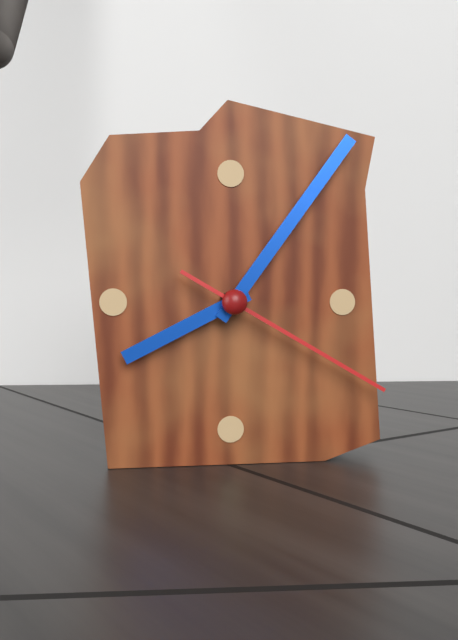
8:06:20
